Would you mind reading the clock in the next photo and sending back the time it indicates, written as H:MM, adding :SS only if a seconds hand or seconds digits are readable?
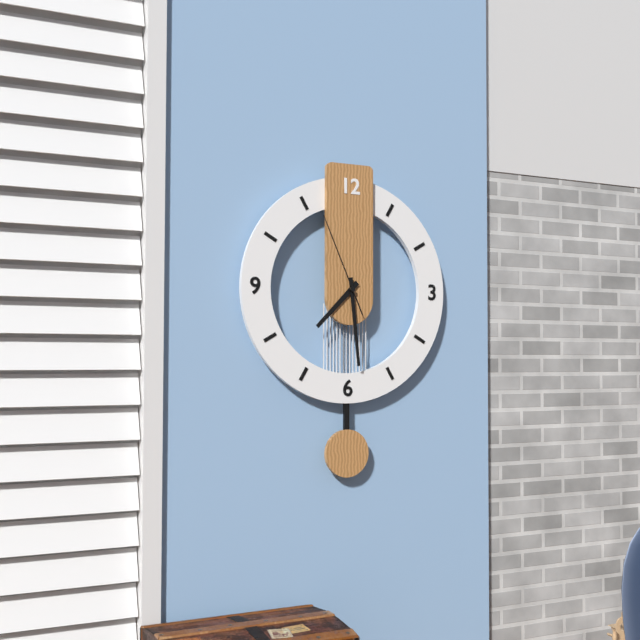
7:29:56
